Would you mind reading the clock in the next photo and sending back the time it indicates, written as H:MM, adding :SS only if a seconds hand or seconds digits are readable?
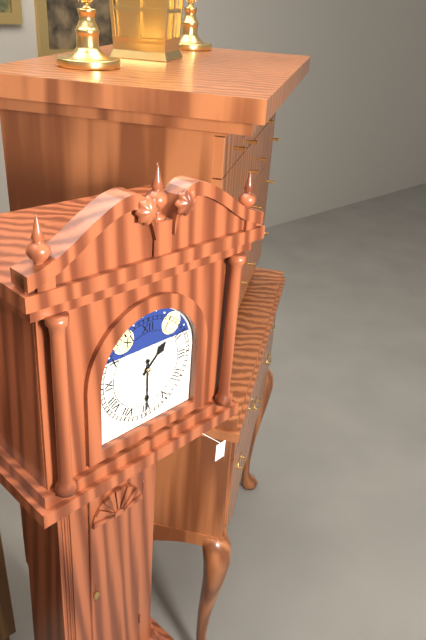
1:30
